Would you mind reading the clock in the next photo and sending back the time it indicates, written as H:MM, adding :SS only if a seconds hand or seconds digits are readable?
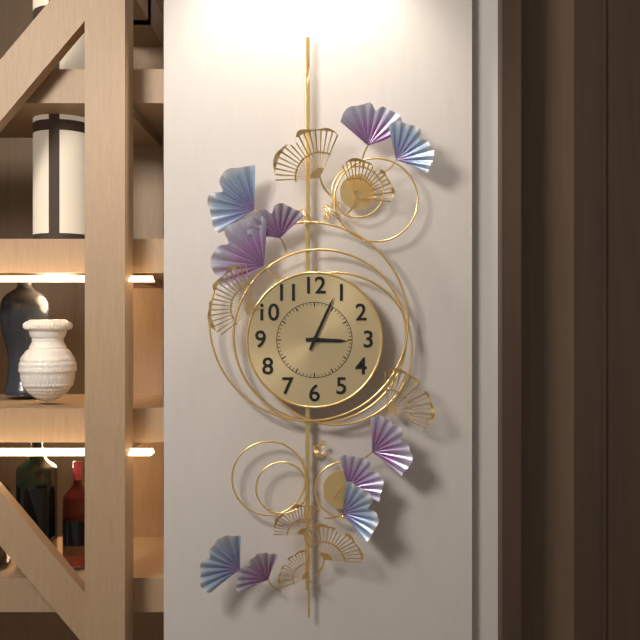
3:04
